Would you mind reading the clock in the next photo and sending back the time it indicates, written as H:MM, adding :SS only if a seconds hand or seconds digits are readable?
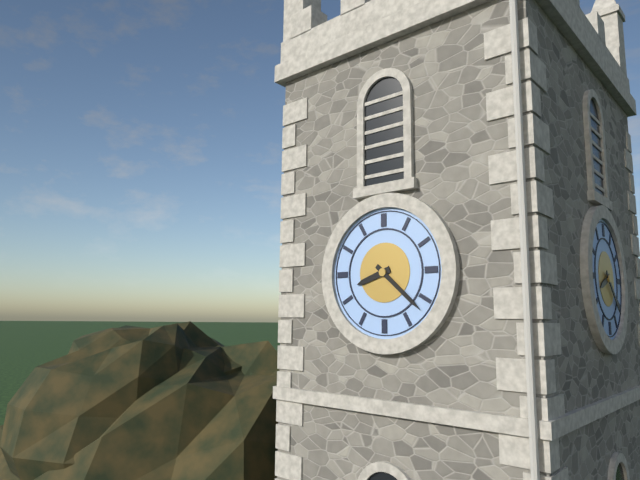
8:22
